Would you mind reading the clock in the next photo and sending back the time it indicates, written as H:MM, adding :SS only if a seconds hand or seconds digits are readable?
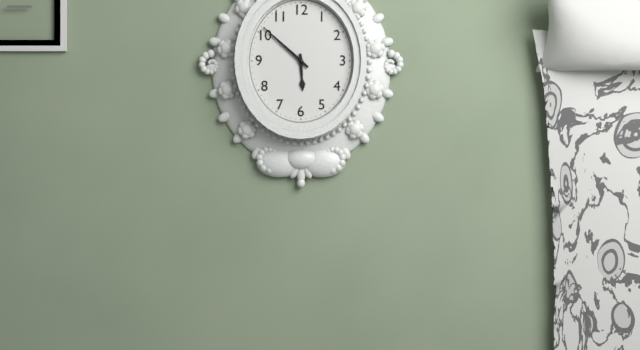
5:52
